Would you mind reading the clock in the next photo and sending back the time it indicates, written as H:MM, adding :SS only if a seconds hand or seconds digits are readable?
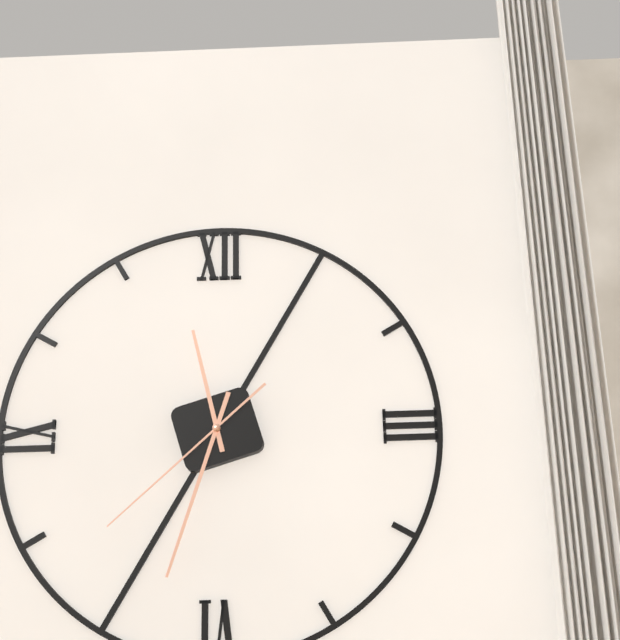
11:33:38
